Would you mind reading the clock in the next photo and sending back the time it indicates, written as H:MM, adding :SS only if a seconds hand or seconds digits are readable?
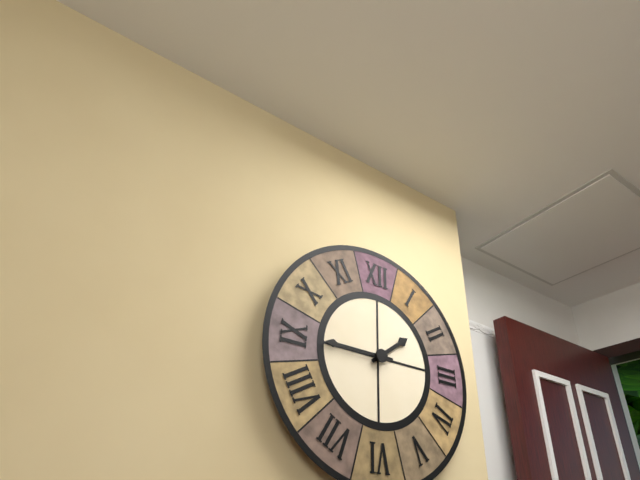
1:45
